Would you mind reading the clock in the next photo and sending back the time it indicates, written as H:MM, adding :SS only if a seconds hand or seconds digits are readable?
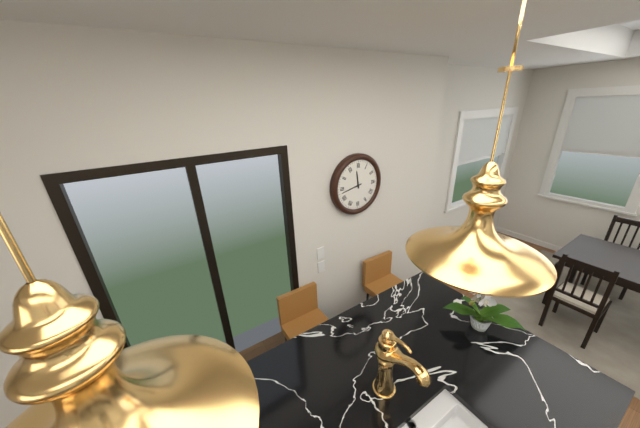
11:43
